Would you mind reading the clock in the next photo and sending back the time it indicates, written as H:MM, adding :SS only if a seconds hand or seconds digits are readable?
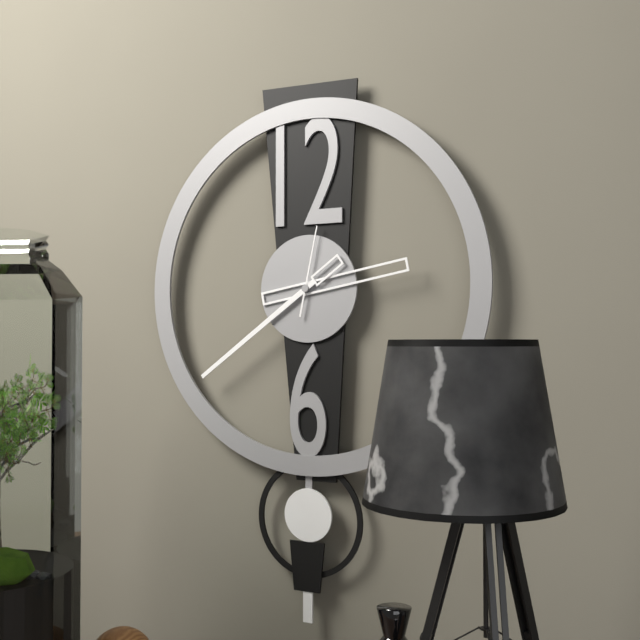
2:39:02
